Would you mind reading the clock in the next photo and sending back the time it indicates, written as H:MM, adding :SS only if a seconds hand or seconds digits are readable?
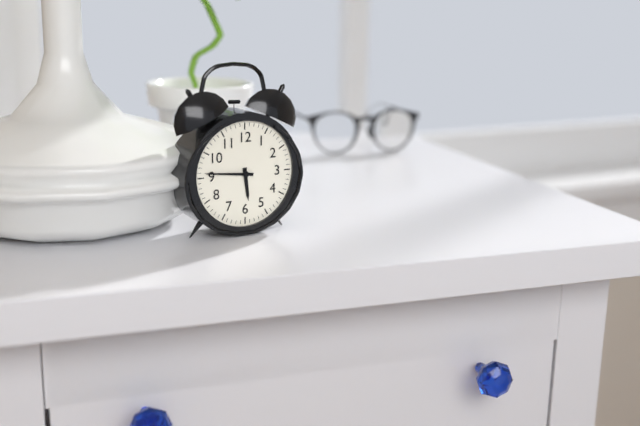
5:46
